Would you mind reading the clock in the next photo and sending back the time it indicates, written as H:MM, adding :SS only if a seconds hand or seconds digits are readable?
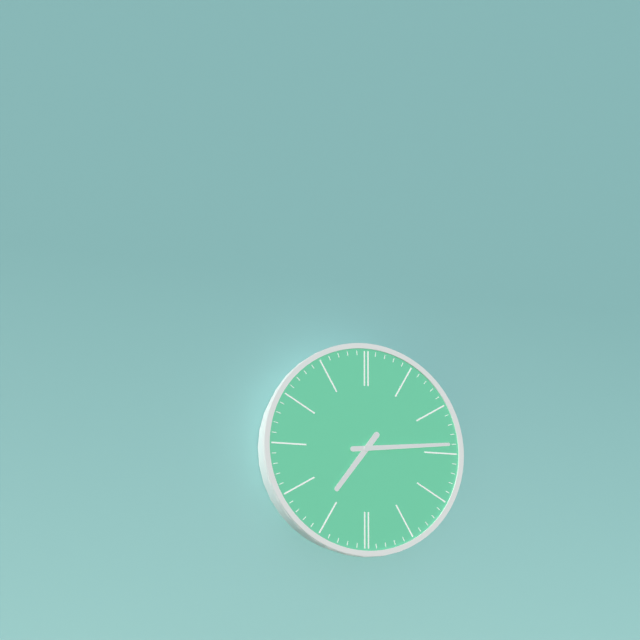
7:14
